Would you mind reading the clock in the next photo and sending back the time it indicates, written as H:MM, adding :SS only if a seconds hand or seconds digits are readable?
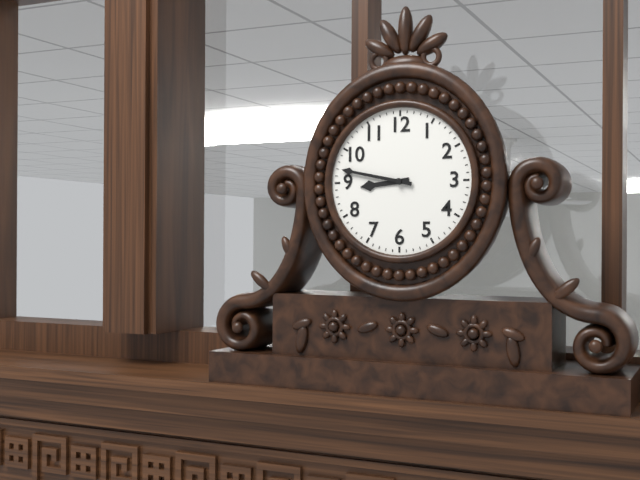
8:47
